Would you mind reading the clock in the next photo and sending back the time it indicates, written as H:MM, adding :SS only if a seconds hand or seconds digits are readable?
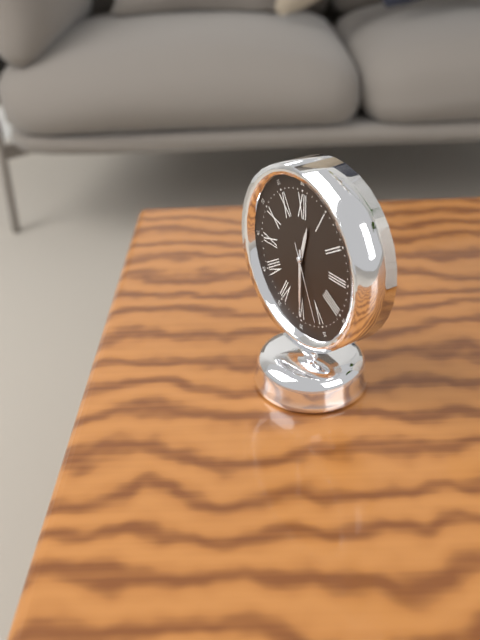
12:30:26
